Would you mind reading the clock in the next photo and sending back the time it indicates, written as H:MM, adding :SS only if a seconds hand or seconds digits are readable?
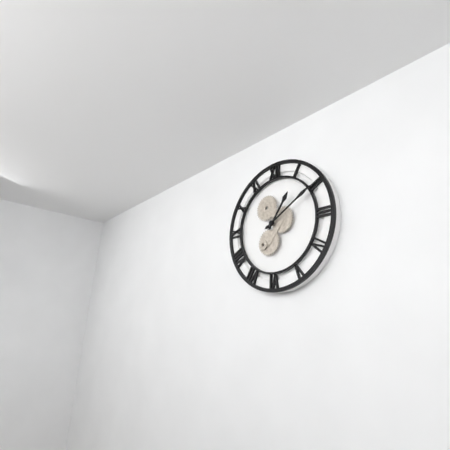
1:10
